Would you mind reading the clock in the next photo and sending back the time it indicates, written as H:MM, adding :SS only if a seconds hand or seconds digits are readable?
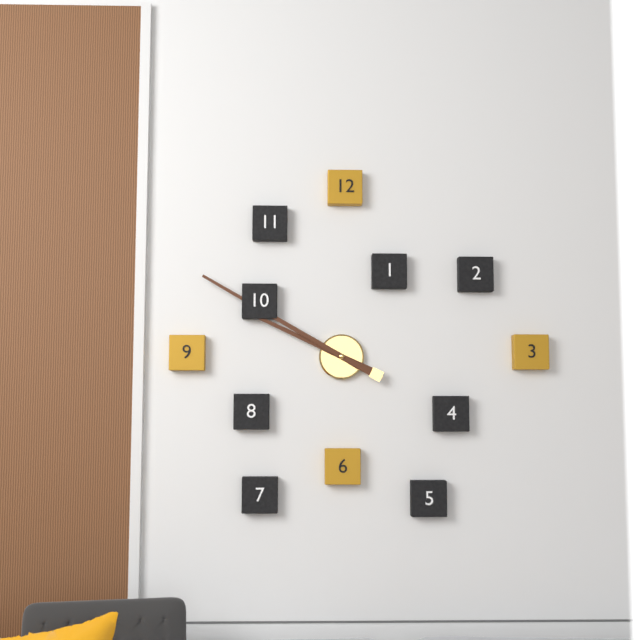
9:50
